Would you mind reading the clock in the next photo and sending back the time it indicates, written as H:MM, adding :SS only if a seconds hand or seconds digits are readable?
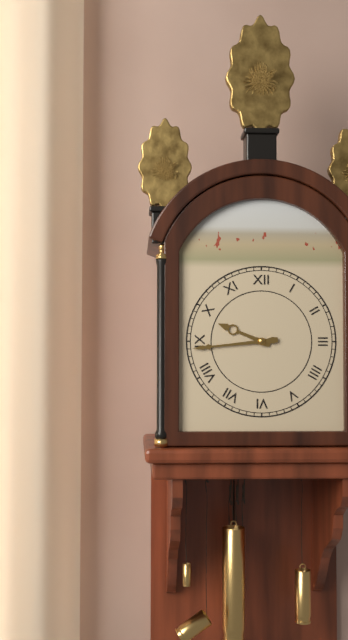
9:44
